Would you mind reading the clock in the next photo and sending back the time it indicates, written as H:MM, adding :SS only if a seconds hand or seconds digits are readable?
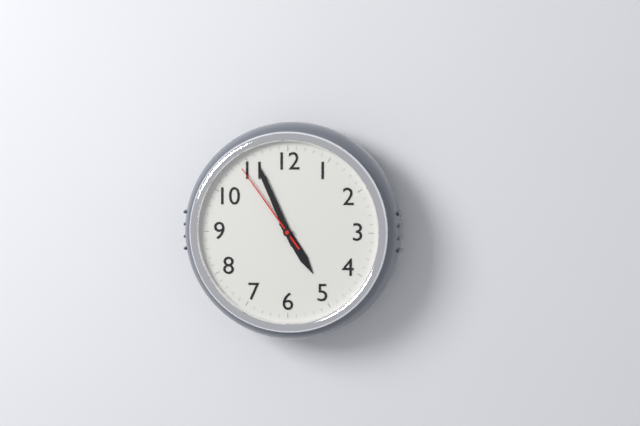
4:56:54
